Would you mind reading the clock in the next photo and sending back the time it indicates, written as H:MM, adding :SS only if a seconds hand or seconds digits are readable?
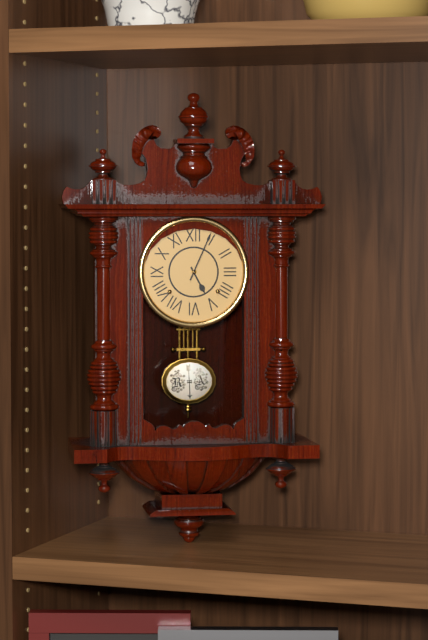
5:04
